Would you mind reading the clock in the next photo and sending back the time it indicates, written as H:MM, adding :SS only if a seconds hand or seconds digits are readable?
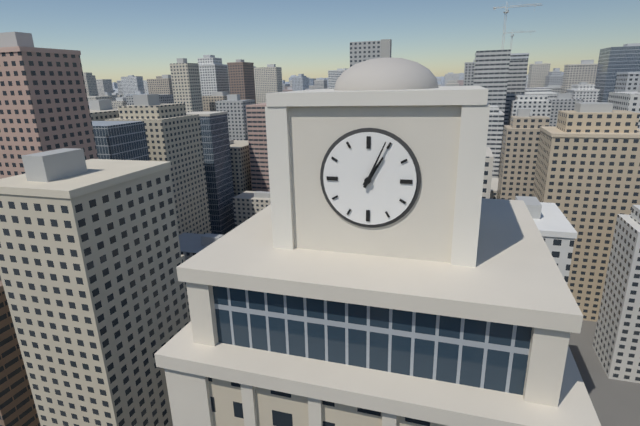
1:04
